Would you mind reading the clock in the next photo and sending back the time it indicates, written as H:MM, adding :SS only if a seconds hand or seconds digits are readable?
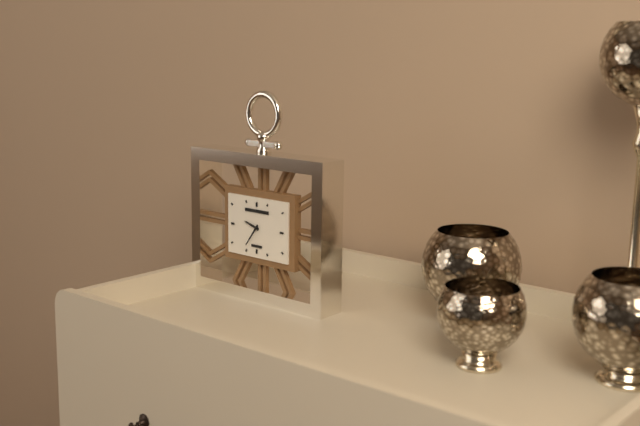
9:36
